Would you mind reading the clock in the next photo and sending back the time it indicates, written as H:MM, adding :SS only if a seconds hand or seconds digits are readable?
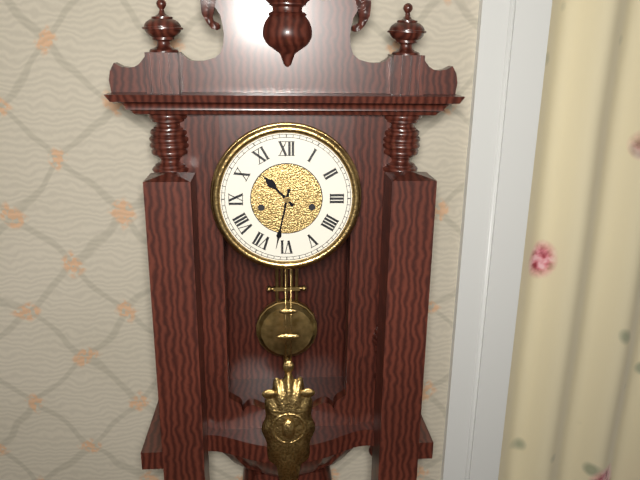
10:32
